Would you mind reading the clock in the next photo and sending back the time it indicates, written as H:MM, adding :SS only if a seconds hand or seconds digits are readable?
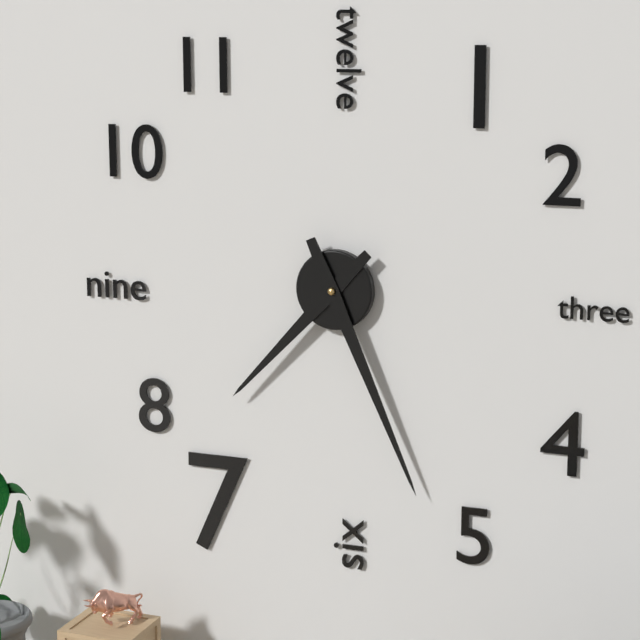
7:26
